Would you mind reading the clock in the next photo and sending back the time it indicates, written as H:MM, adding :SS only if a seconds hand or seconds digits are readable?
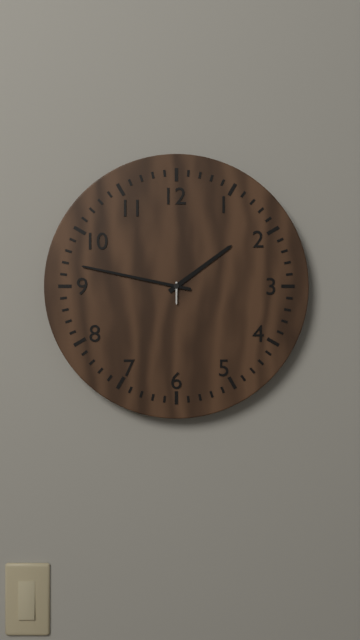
1:47
